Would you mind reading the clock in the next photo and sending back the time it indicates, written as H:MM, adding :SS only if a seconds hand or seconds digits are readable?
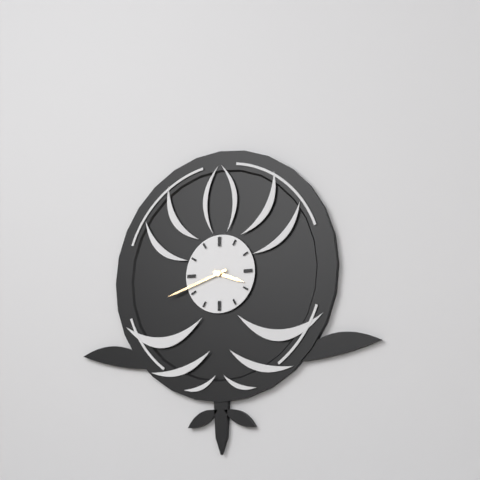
3:42
